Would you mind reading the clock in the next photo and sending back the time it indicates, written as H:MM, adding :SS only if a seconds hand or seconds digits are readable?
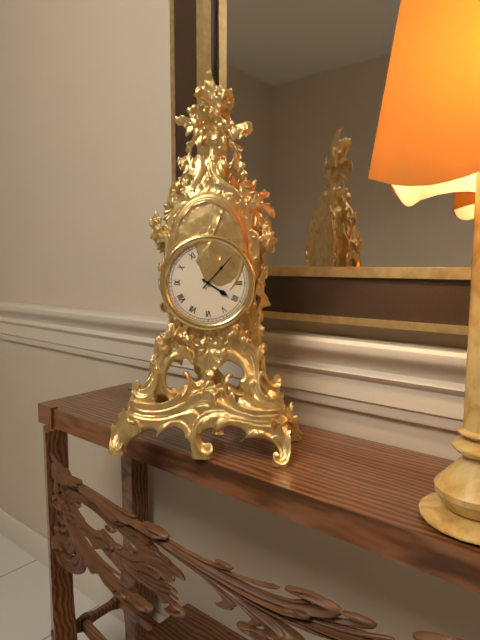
4:07
